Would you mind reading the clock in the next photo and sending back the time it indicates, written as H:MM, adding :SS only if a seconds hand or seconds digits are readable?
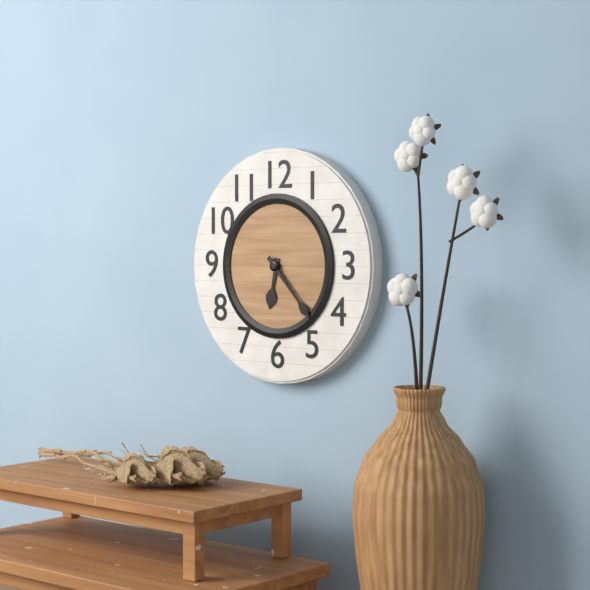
6:23
